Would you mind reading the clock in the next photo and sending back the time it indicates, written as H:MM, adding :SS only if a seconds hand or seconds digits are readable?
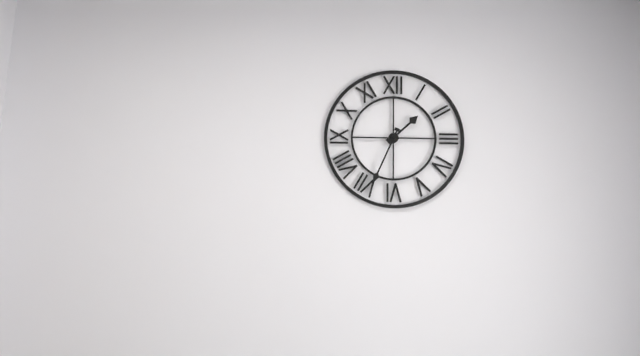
1:34
